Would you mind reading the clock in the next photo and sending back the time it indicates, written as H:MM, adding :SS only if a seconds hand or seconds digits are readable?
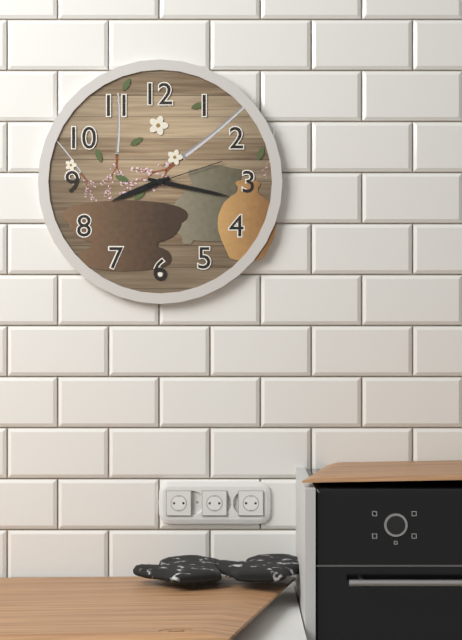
8:17:12
